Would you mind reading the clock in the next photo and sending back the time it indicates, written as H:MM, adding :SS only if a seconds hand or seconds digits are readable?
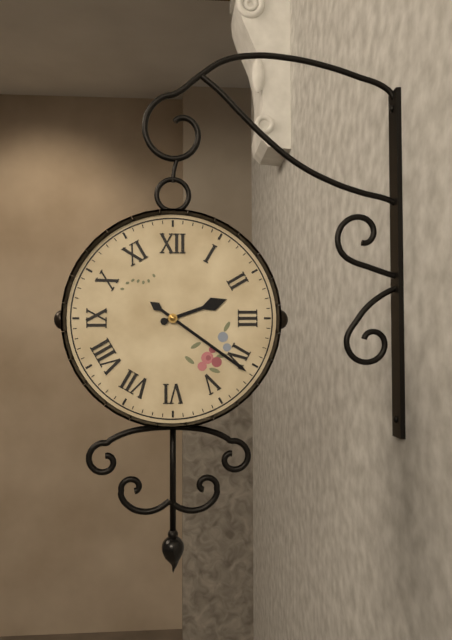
2:21
